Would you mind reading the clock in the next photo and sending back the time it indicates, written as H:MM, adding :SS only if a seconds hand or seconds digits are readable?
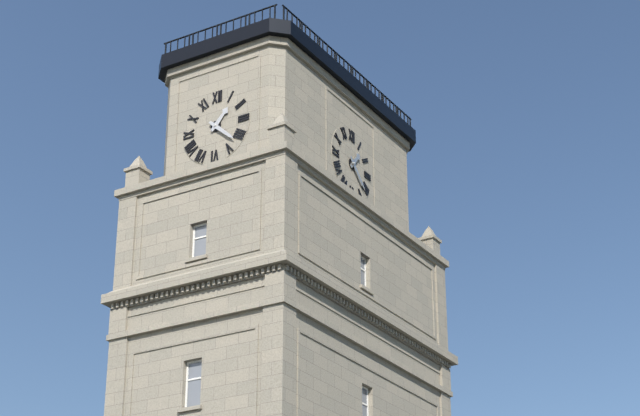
1:22
